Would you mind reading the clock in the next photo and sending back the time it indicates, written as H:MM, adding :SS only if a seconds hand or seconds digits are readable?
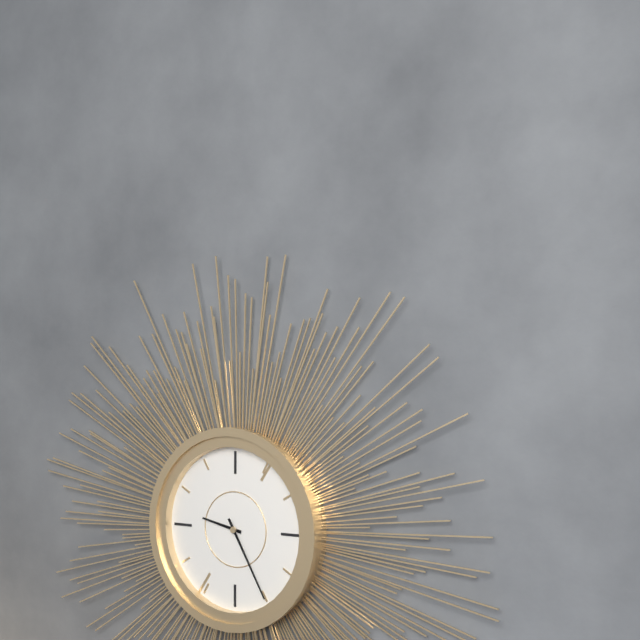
9:25
